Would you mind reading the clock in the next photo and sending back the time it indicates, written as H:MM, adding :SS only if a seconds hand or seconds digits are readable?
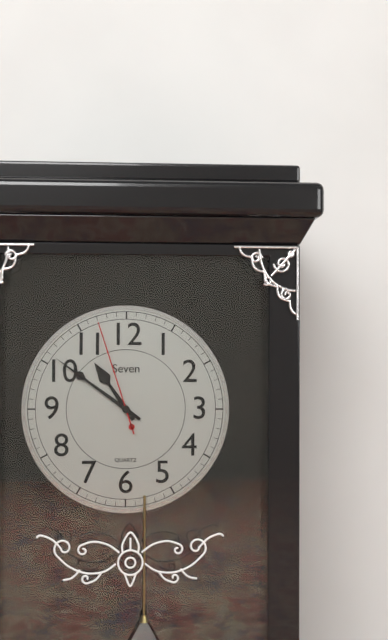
10:51:57
